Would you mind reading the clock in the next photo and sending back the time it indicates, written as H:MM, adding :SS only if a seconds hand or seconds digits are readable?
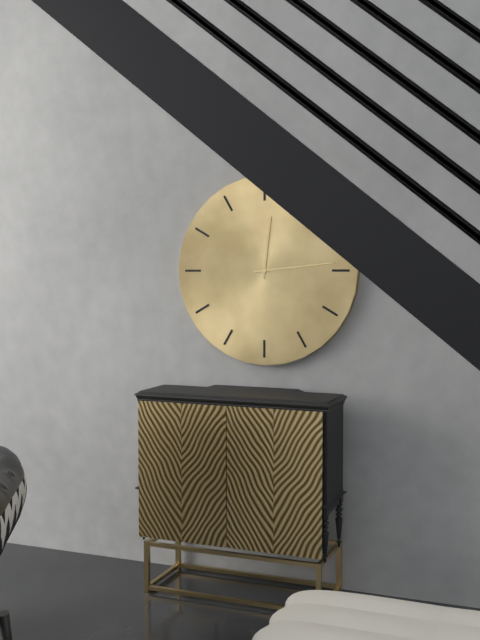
12:14
